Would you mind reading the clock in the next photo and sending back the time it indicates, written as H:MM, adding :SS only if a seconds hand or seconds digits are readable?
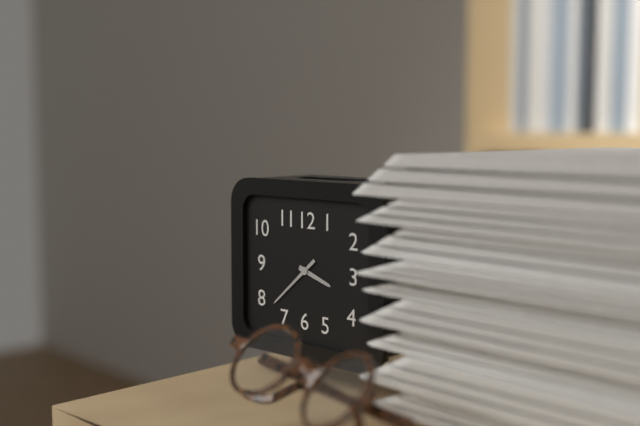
3:38
